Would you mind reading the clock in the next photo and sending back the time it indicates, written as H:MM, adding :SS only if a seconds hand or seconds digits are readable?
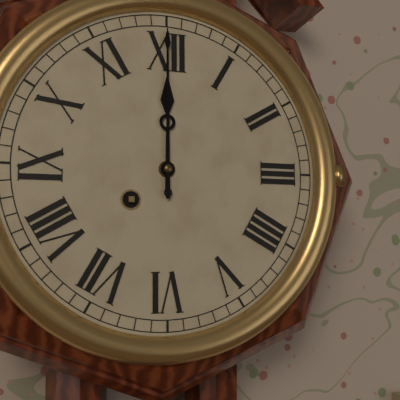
12:00
